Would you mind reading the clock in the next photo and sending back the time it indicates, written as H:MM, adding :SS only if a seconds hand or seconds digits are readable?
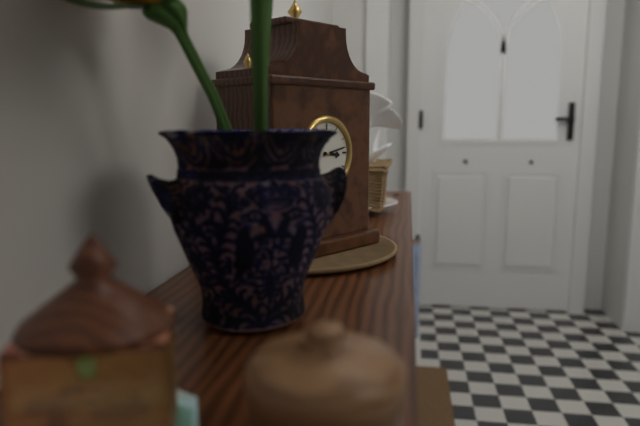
3:13
